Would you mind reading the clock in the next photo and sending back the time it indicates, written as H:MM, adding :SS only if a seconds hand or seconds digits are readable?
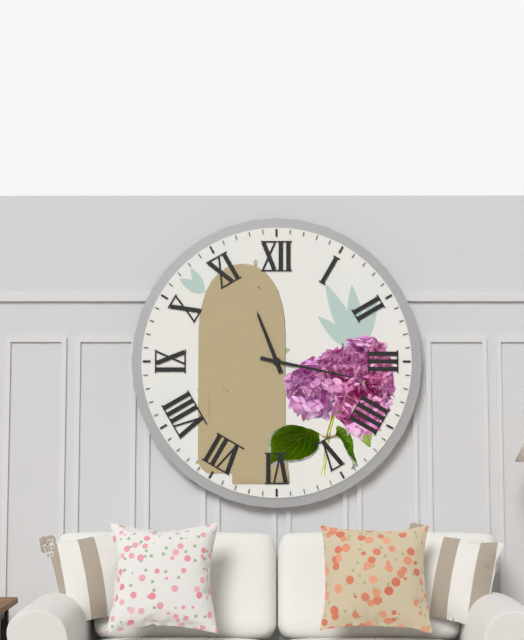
11:17
